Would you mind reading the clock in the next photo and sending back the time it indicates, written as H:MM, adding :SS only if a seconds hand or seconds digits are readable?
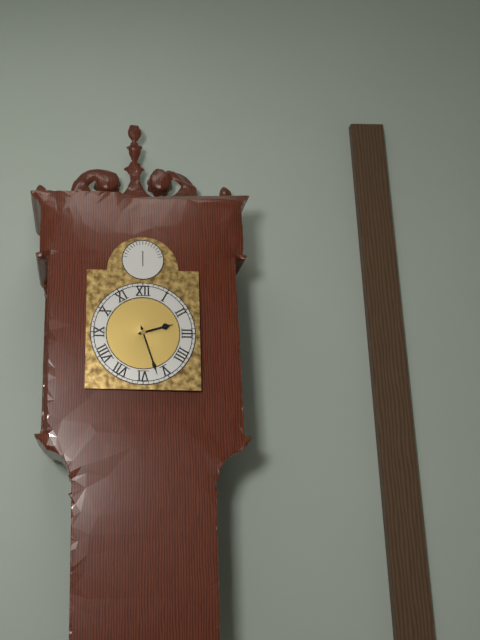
2:27
